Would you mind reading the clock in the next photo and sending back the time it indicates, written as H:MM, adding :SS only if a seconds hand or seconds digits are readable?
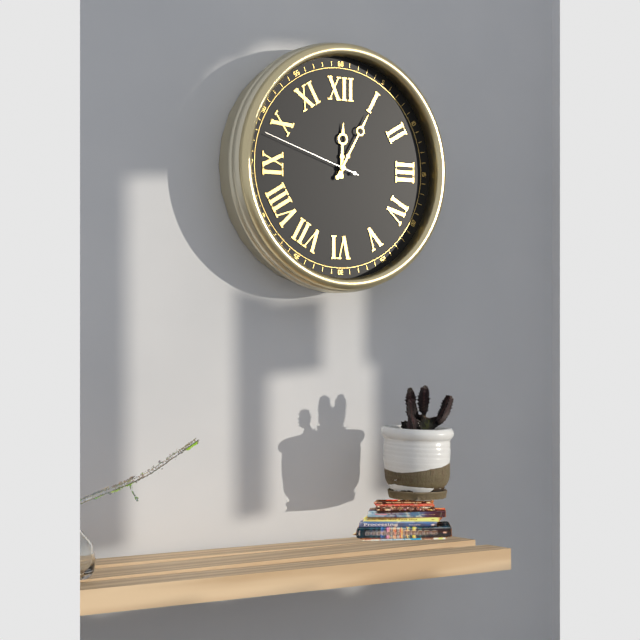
12:05:48
